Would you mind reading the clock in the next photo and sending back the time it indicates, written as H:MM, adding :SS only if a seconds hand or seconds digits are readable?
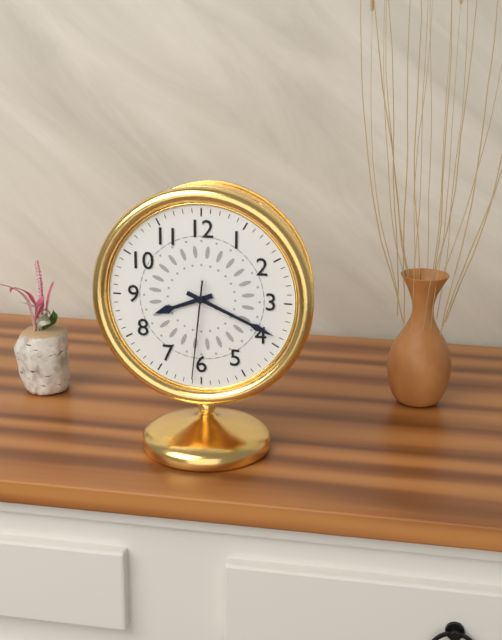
8:19:31
